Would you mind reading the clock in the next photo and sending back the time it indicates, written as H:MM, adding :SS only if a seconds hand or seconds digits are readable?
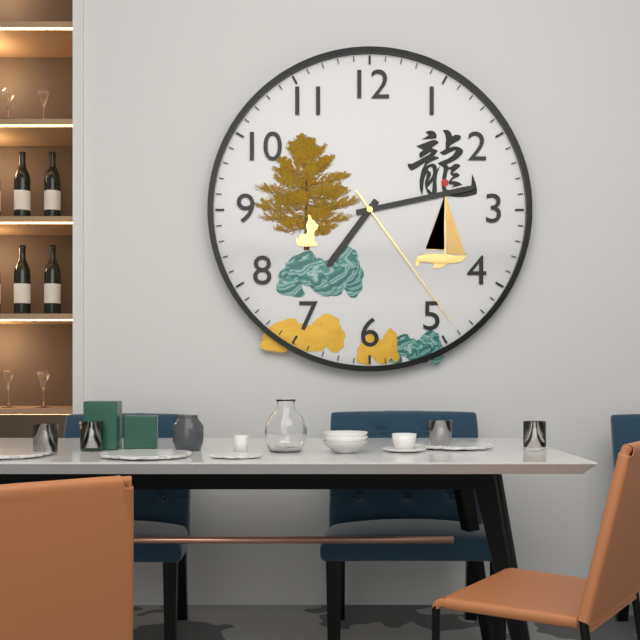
7:13:24
